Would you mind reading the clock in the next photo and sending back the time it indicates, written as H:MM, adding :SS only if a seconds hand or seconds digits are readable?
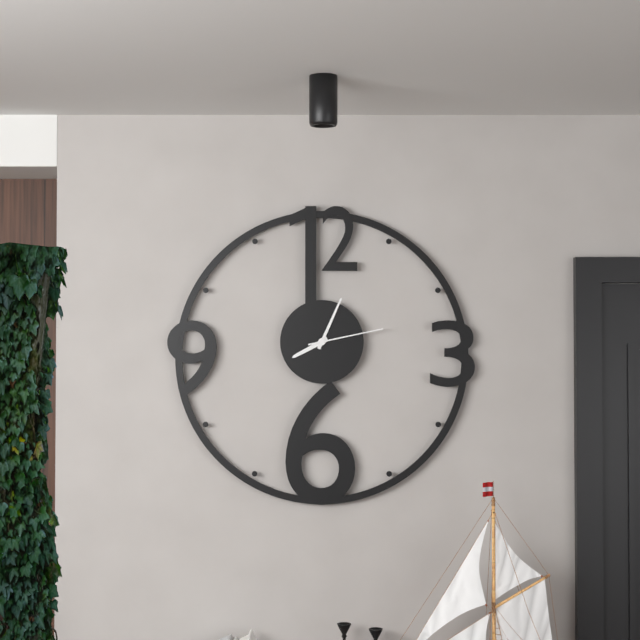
8:04:13
